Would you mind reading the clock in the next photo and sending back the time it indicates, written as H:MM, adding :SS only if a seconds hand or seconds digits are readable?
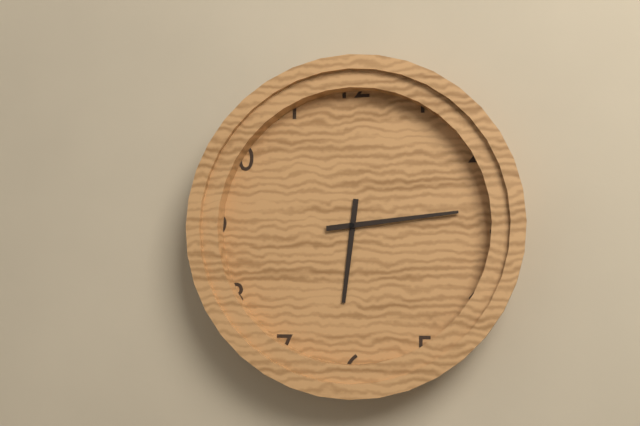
6:14
